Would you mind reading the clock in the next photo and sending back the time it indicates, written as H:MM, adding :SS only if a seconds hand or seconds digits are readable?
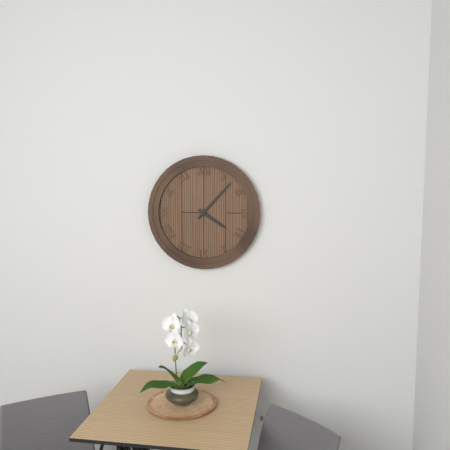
4:07
